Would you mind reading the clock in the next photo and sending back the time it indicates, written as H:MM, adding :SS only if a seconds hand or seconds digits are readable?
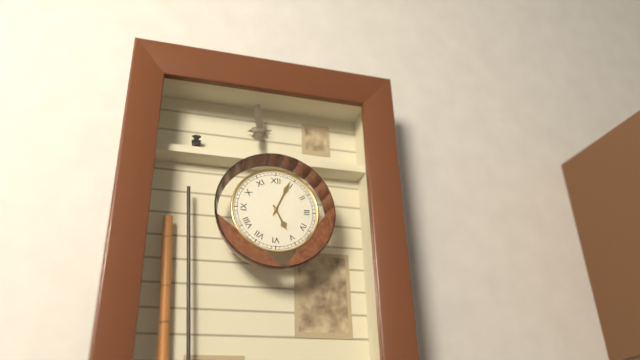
5:04
